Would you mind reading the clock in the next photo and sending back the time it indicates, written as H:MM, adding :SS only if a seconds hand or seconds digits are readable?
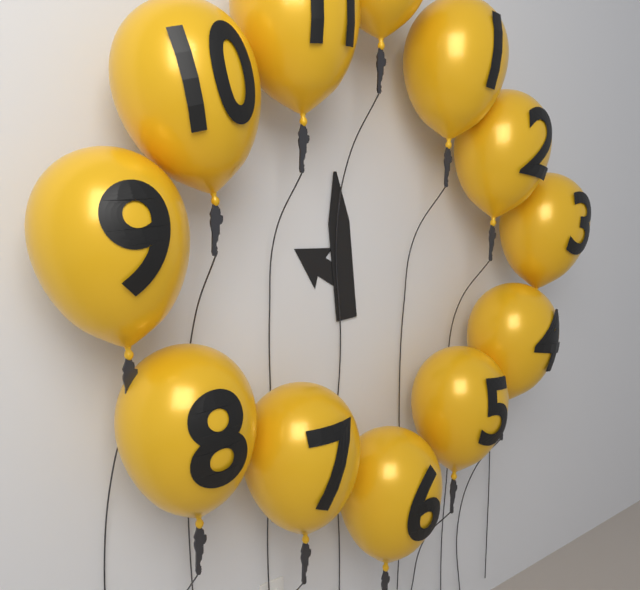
9:59
